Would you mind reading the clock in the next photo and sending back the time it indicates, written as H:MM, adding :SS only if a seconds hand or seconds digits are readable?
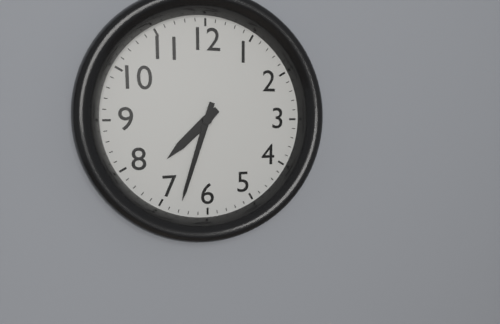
7:33
